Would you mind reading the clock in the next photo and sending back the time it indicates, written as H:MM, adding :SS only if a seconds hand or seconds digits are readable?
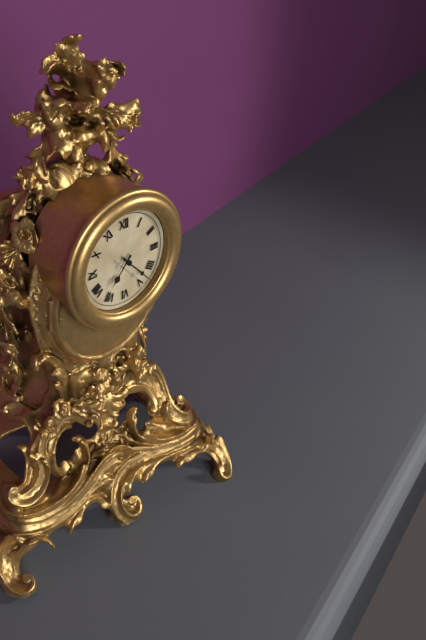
7:23
